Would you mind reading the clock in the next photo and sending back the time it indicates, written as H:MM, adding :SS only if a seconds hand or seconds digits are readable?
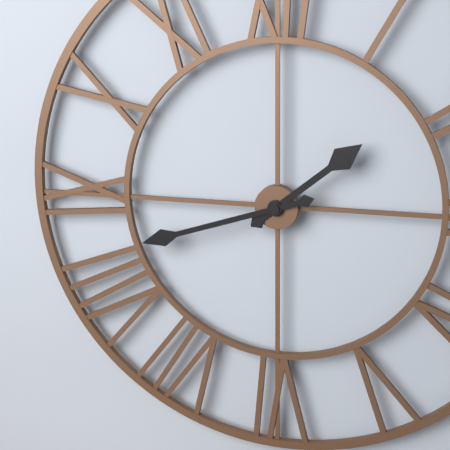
1:42
